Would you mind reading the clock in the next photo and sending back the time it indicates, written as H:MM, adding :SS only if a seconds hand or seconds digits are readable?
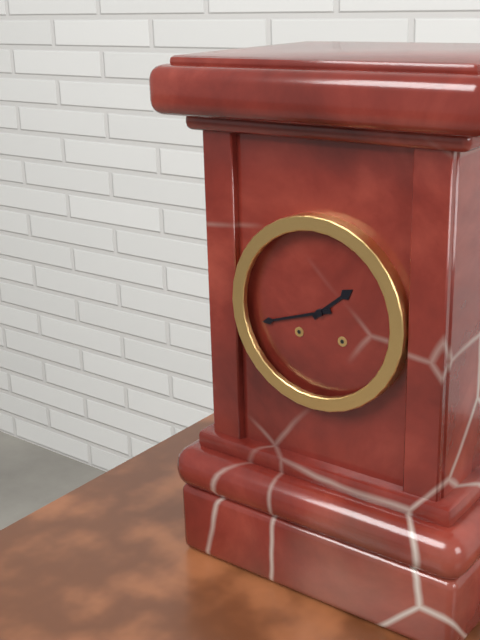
1:42
